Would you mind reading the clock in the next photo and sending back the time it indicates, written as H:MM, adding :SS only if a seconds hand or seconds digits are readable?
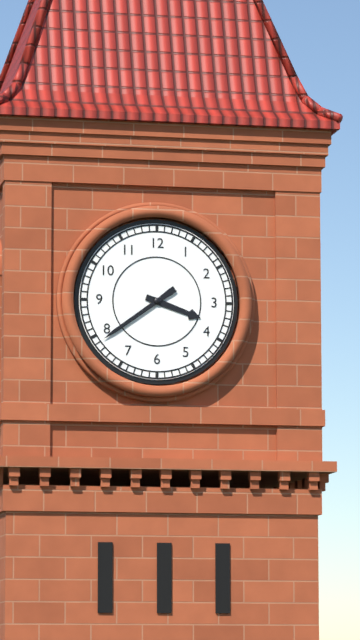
3:39
